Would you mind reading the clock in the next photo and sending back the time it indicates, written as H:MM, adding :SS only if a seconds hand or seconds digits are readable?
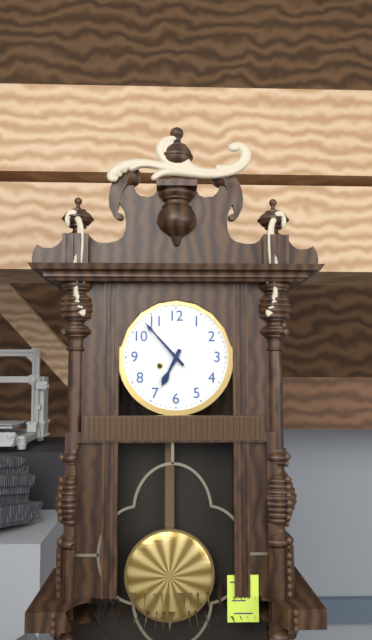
6:53
